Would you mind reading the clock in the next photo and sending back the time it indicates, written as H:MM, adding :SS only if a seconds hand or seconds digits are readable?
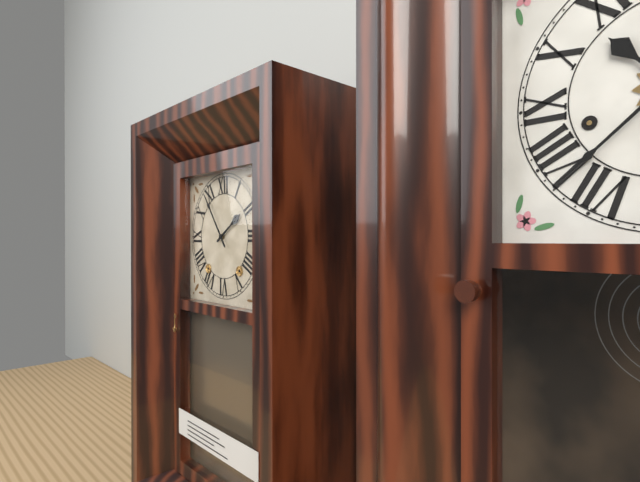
1:54
